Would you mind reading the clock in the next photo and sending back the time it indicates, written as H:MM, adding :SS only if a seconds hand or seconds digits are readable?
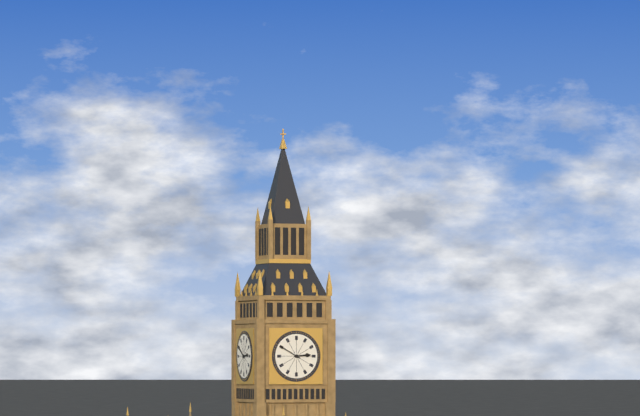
2:50
